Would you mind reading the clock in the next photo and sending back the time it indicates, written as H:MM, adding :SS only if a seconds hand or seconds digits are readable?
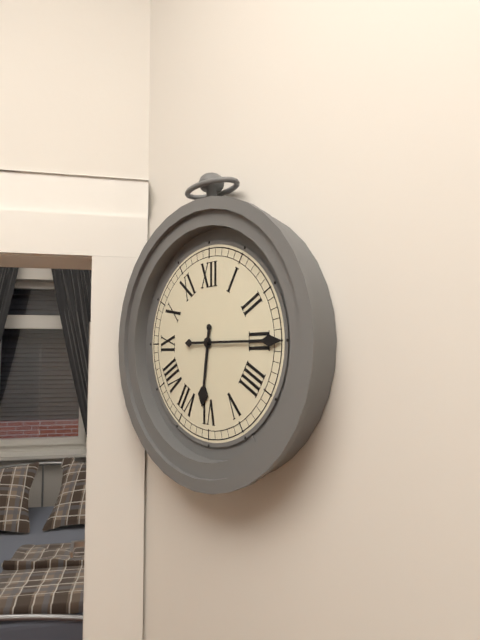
6:15
